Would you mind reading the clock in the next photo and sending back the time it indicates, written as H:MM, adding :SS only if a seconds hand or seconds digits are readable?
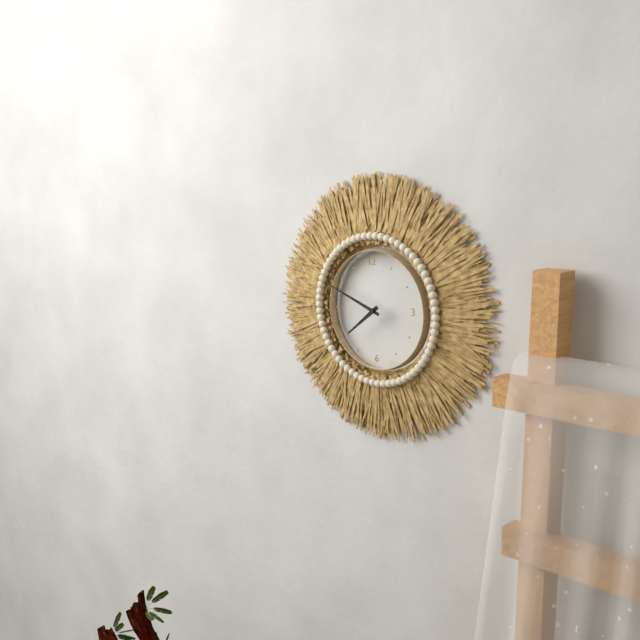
7:49
